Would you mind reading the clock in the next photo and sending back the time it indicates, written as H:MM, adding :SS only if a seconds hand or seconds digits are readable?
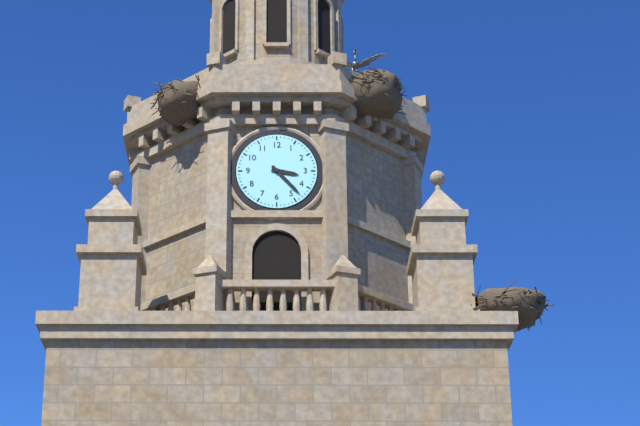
3:23
